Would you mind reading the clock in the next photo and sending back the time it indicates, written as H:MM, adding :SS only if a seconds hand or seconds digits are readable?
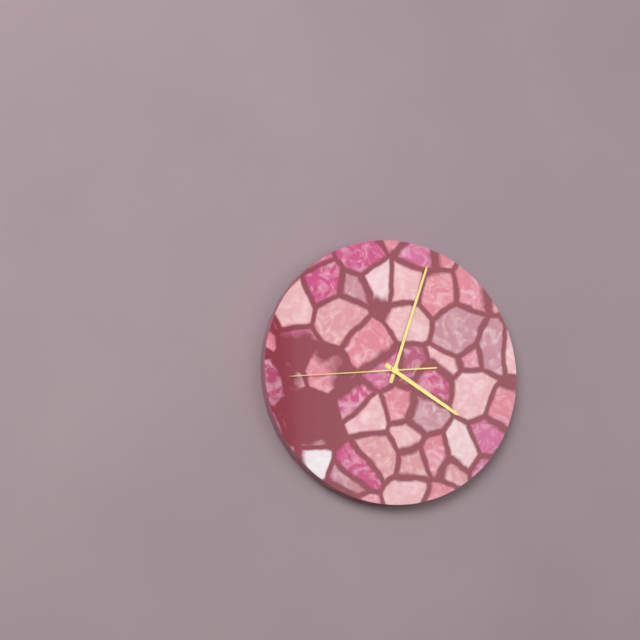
4:03:44
